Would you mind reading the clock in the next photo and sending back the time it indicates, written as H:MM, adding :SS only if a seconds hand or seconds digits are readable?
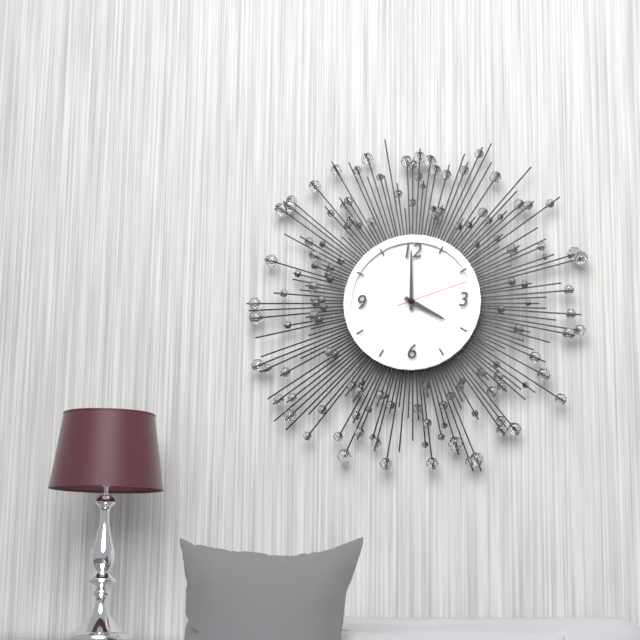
4:00:12
